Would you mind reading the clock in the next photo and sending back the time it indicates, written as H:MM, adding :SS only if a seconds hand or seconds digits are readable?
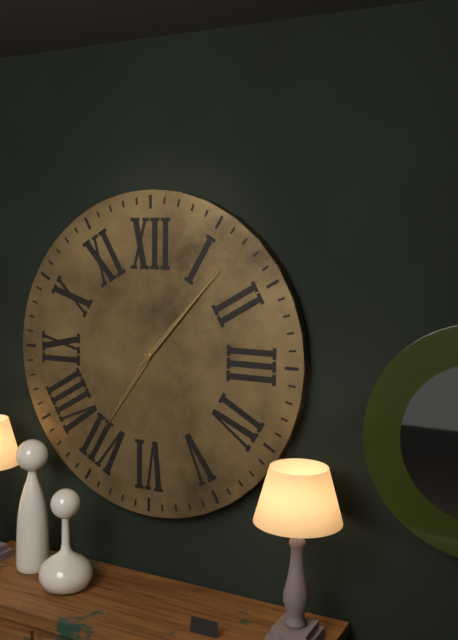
7:07
